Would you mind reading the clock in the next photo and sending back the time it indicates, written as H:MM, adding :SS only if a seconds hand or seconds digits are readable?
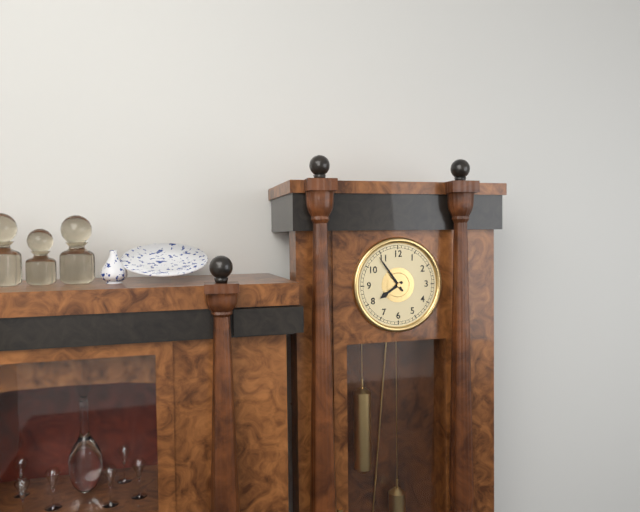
7:54
